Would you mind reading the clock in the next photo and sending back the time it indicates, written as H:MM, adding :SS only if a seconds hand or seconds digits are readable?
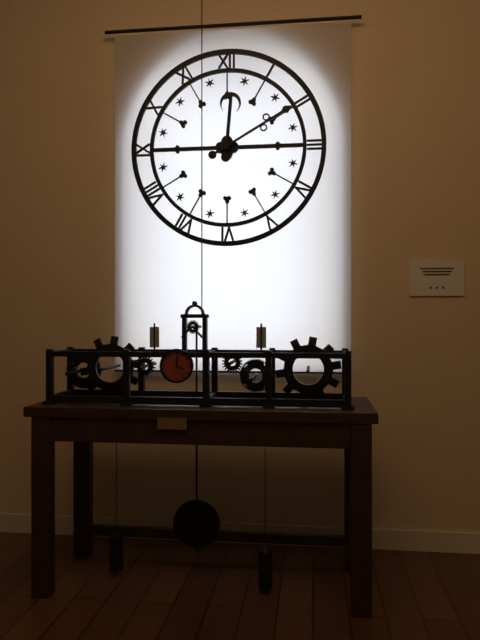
12:10
